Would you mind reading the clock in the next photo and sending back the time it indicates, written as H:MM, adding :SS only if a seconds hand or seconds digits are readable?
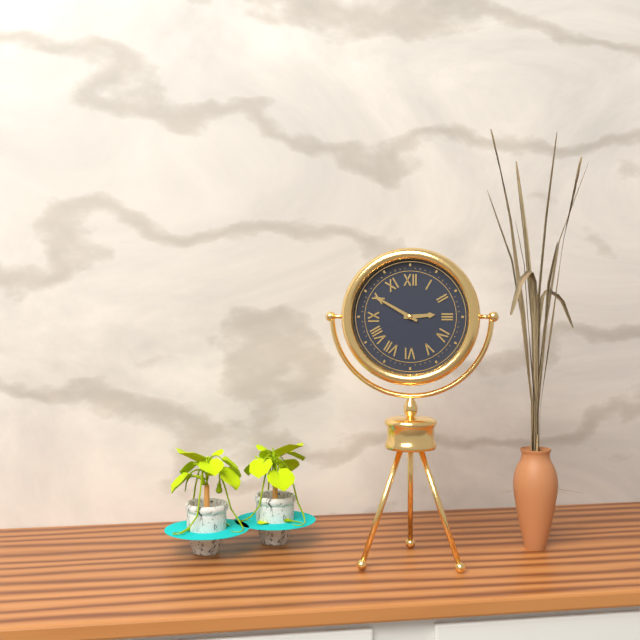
2:50
